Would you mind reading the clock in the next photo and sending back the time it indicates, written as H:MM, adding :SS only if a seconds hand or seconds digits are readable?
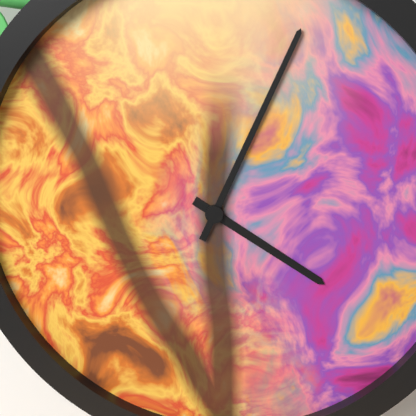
4:04
